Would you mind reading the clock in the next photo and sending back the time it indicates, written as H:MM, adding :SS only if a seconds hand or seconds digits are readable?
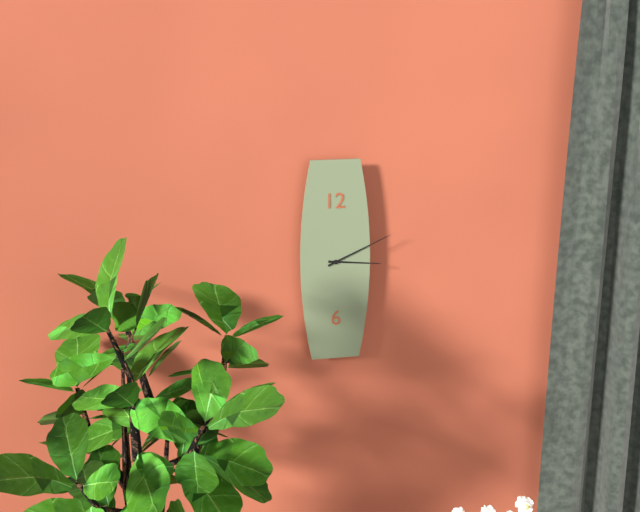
3:11
